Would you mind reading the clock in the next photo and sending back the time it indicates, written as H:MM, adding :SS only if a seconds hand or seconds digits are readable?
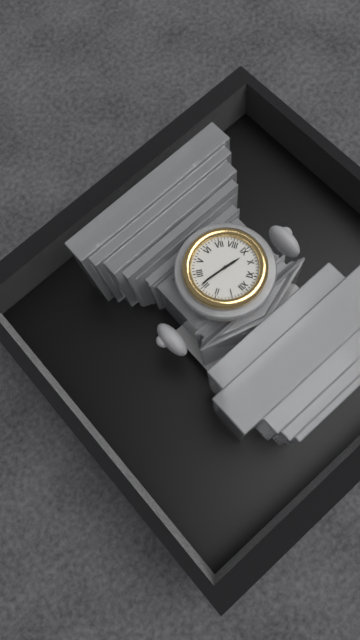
9:16
